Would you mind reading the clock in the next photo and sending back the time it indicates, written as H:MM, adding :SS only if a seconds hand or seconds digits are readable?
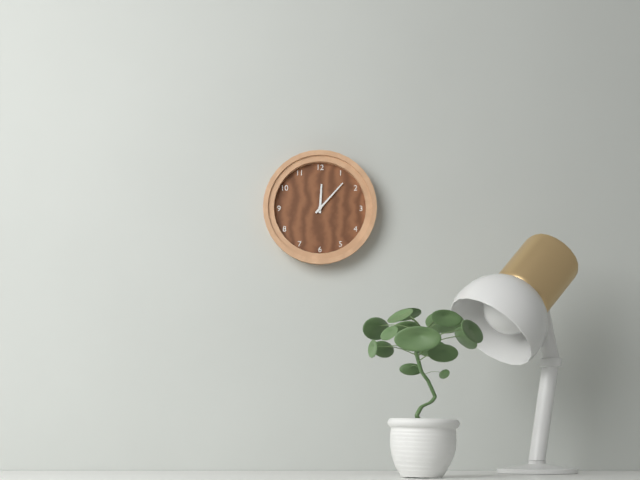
12:07
